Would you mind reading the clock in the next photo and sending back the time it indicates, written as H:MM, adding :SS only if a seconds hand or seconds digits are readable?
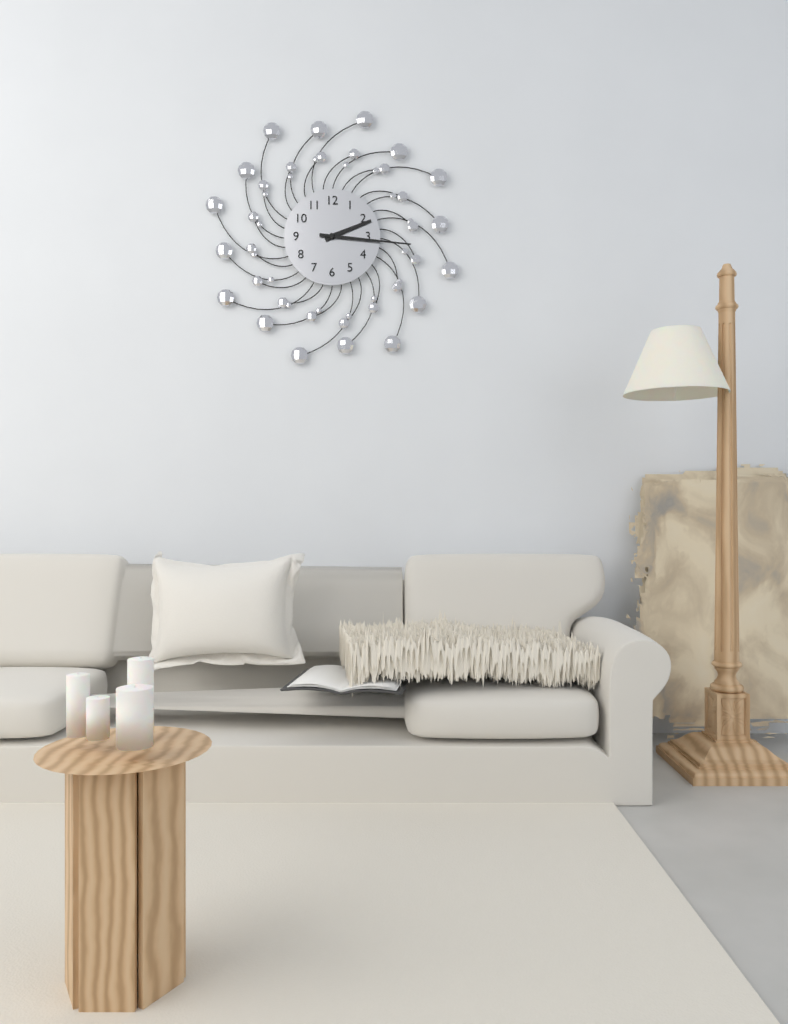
2:16
